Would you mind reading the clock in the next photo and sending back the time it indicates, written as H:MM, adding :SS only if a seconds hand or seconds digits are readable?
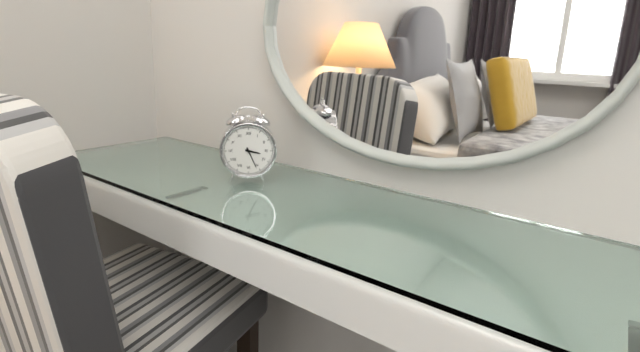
3:26
